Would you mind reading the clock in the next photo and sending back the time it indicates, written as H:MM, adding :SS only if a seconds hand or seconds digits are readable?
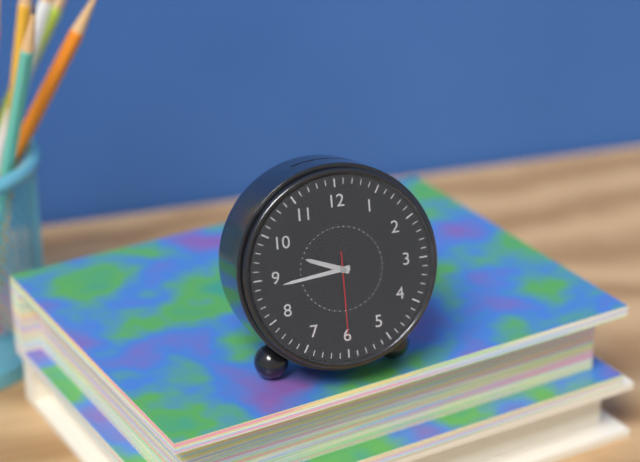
9:44:30
